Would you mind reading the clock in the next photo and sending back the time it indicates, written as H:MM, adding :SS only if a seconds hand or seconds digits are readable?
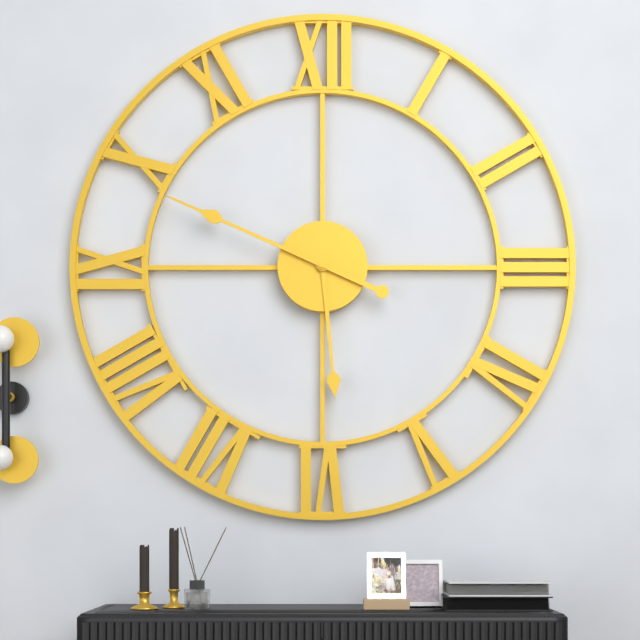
5:49
